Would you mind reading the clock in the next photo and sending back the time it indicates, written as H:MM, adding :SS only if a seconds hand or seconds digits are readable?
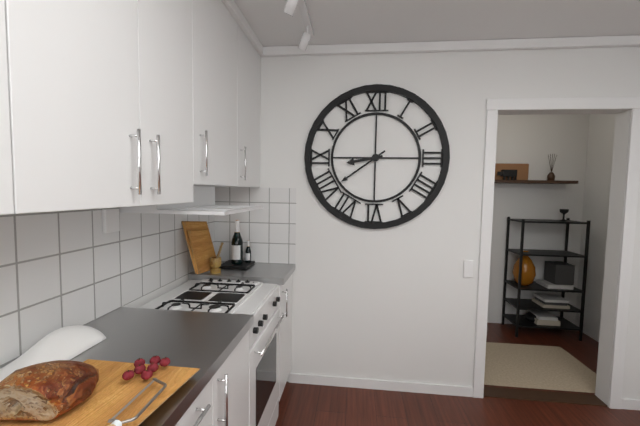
8:39
